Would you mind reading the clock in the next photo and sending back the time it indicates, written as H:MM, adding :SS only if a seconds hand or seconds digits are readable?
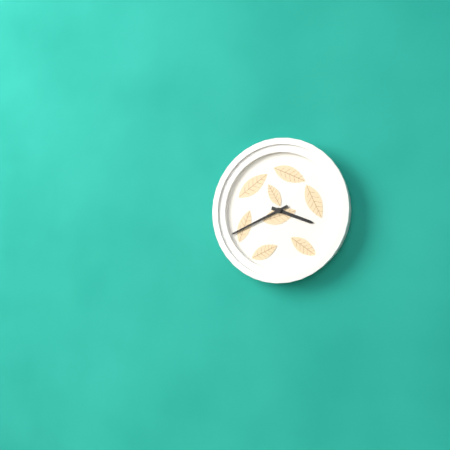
3:41
